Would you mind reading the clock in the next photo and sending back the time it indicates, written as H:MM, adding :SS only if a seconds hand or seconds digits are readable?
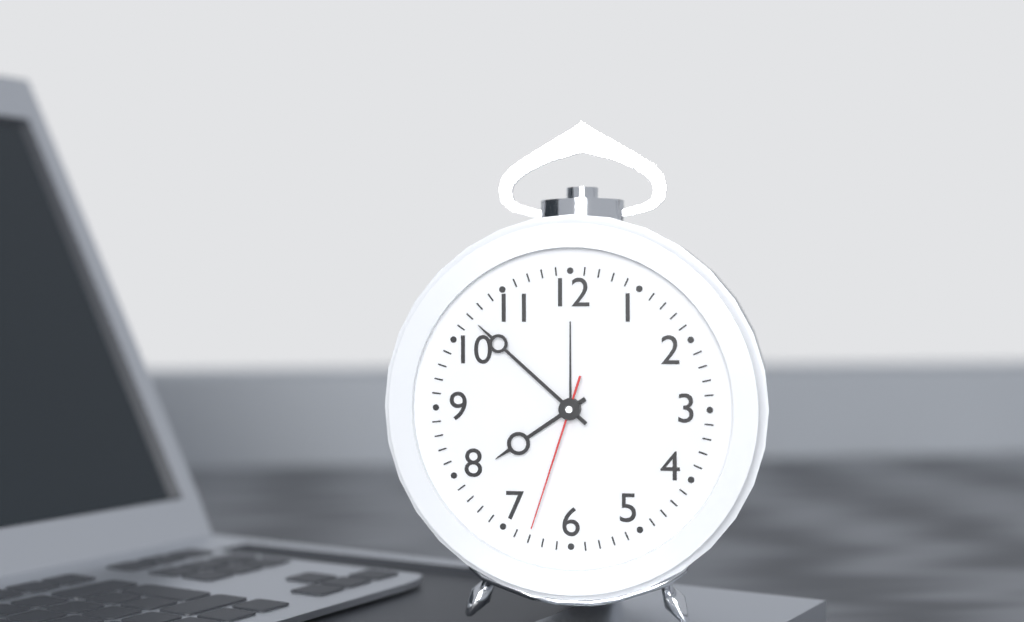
7:52:33
